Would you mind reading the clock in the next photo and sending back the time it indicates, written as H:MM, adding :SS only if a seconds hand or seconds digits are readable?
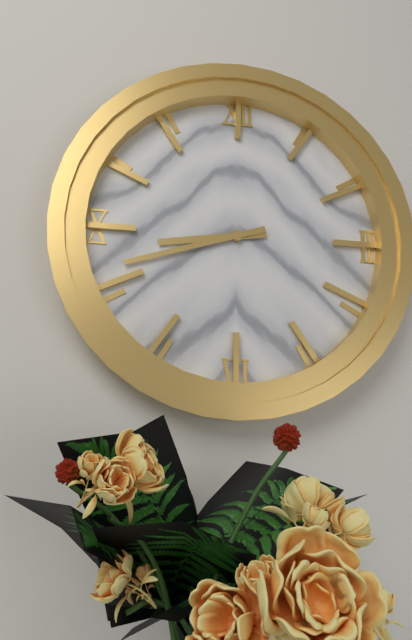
8:42
